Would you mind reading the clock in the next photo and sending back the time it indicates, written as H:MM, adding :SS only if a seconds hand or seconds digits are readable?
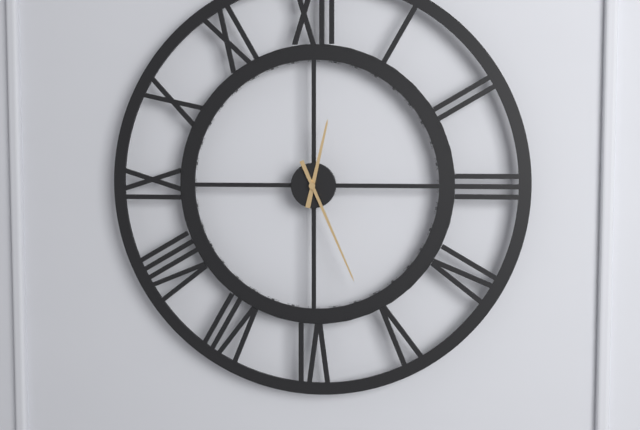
12:26
